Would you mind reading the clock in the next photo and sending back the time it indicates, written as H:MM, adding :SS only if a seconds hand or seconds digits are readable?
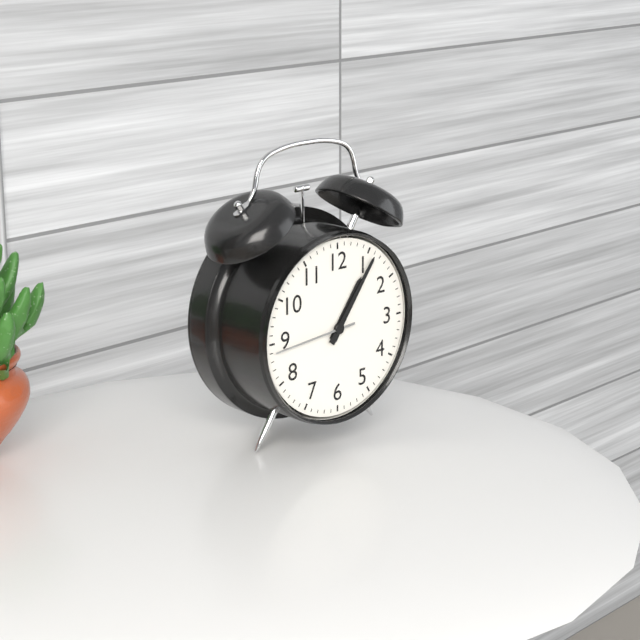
1:06:44
